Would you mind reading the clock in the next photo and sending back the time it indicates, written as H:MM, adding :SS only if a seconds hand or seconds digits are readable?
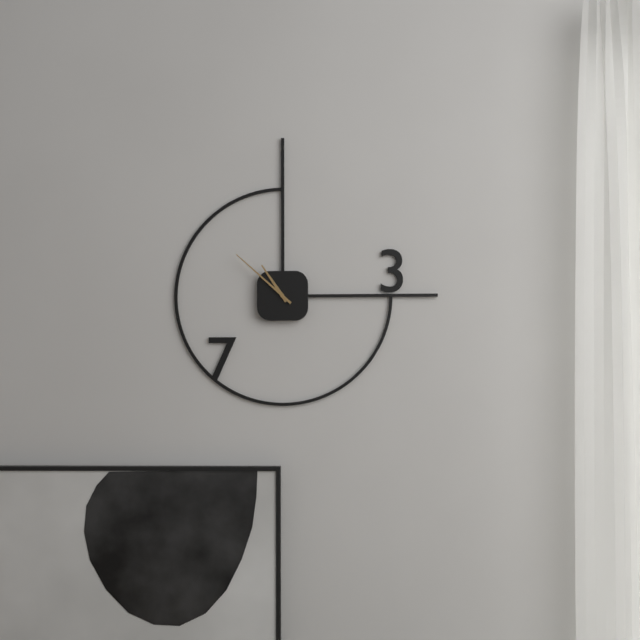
10:52
